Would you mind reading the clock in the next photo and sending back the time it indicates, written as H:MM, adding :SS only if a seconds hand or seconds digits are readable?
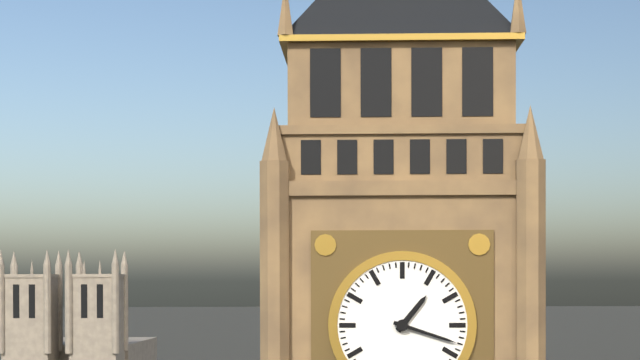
1:18
